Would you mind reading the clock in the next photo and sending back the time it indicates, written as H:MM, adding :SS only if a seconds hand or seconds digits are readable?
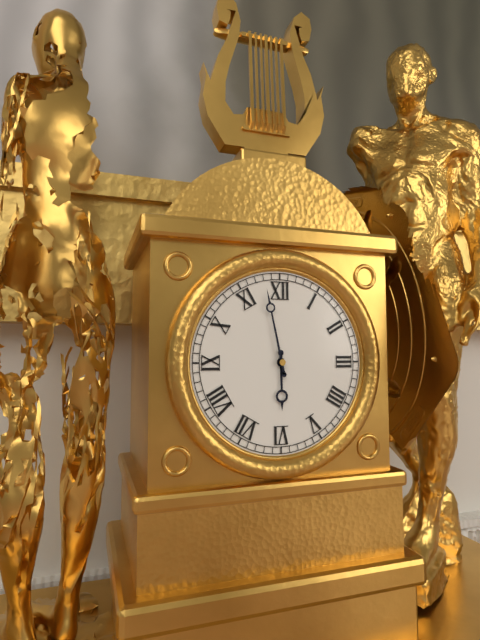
5:58
